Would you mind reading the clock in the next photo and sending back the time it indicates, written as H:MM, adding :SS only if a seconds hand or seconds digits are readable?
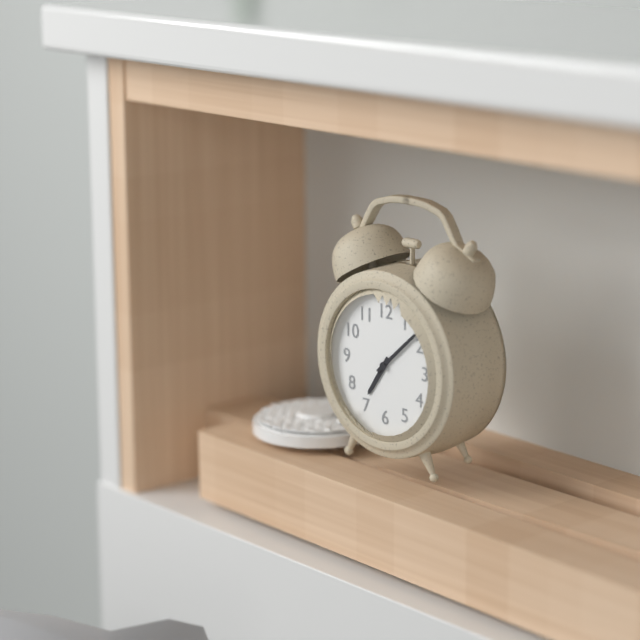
7:08
